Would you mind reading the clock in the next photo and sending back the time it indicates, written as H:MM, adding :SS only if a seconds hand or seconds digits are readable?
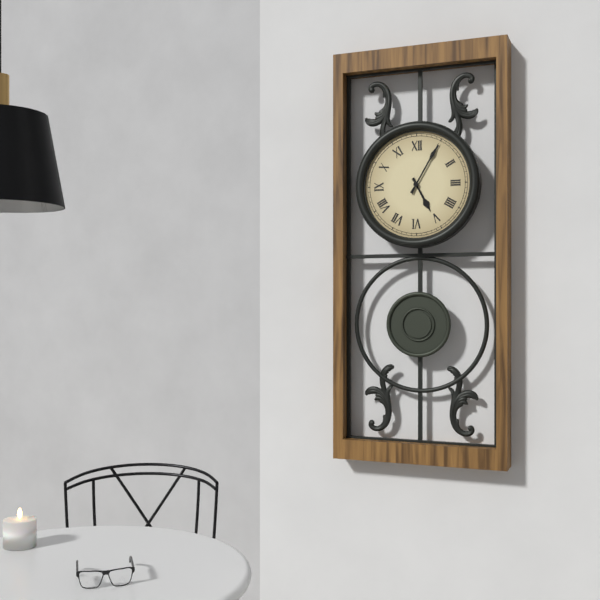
5:05
